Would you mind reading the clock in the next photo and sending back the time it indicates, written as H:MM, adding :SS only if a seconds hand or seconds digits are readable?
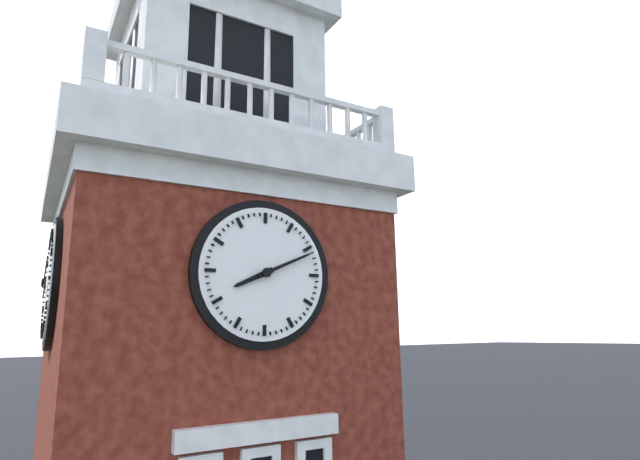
8:11
